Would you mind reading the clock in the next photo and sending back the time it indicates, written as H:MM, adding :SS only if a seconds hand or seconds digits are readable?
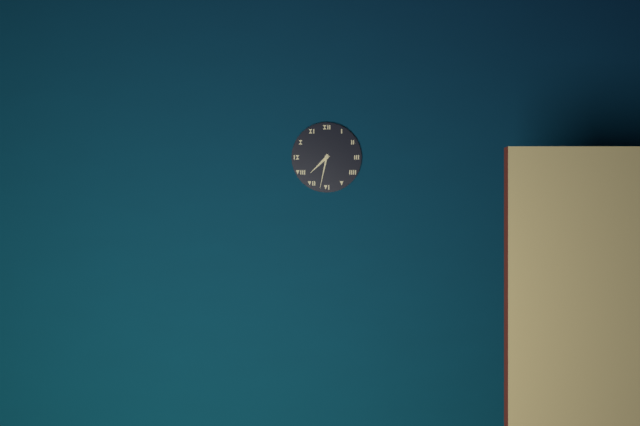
7:32
